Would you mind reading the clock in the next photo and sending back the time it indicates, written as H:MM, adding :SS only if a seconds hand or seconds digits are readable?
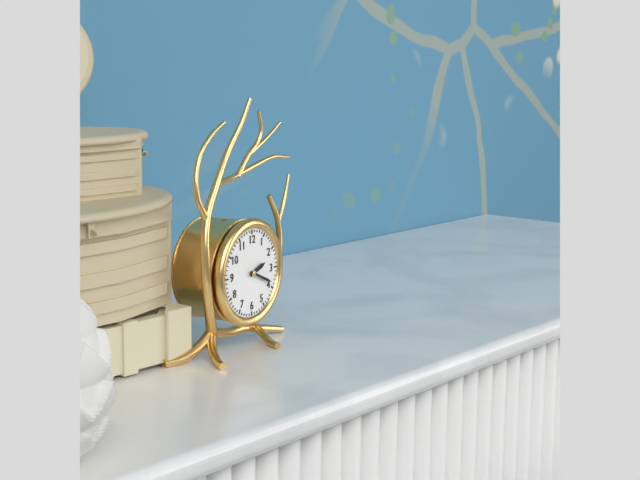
2:19
